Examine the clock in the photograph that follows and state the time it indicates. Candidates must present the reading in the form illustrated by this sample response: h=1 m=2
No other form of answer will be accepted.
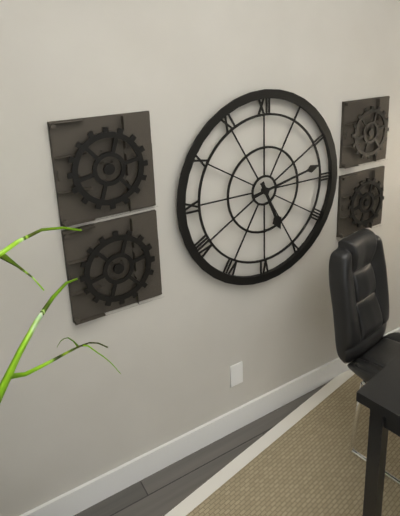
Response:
h=5 m=13
